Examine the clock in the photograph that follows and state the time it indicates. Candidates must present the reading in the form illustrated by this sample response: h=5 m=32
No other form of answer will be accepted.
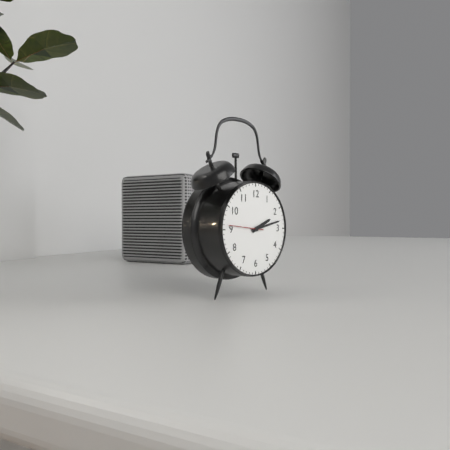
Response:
h=2 m=13
